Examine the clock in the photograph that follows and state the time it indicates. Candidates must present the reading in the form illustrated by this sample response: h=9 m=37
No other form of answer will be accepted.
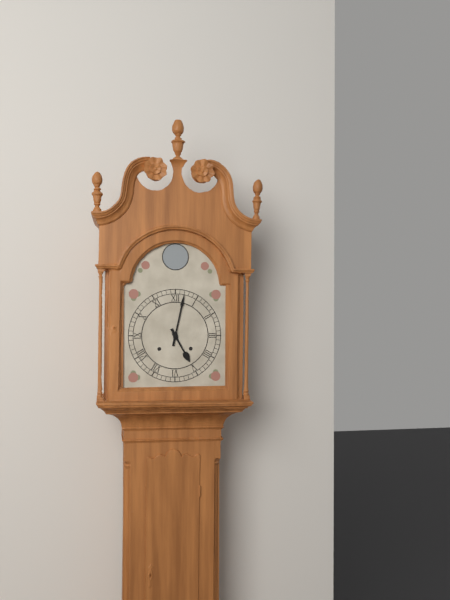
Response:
h=5 m=2
